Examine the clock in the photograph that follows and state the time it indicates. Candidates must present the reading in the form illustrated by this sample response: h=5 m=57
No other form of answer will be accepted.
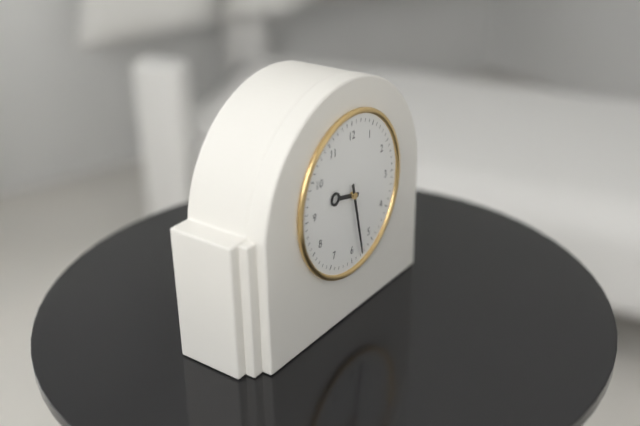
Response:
h=9 m=28
